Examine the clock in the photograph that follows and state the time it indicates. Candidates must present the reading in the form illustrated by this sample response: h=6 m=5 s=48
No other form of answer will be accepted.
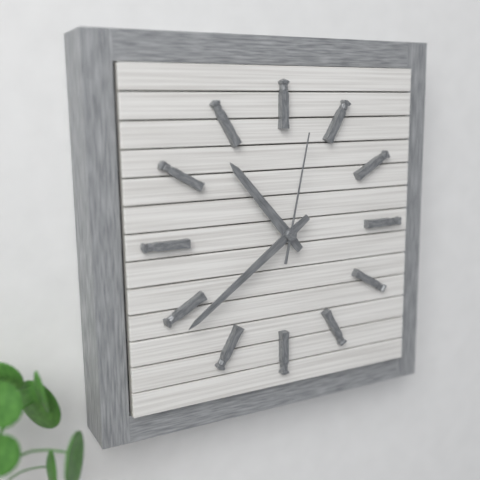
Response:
h=10 m=39 s=2
